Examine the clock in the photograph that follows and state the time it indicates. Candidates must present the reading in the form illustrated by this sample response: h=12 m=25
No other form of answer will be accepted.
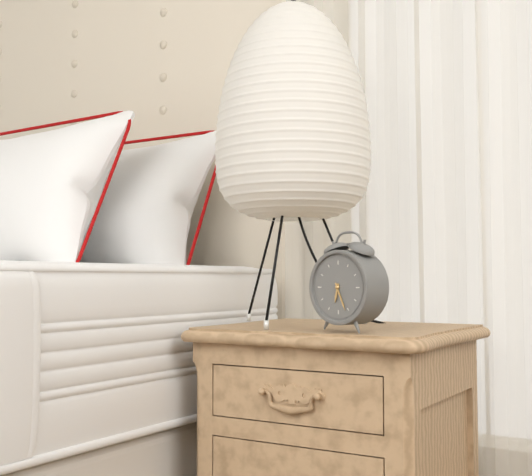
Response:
h=6 m=26
